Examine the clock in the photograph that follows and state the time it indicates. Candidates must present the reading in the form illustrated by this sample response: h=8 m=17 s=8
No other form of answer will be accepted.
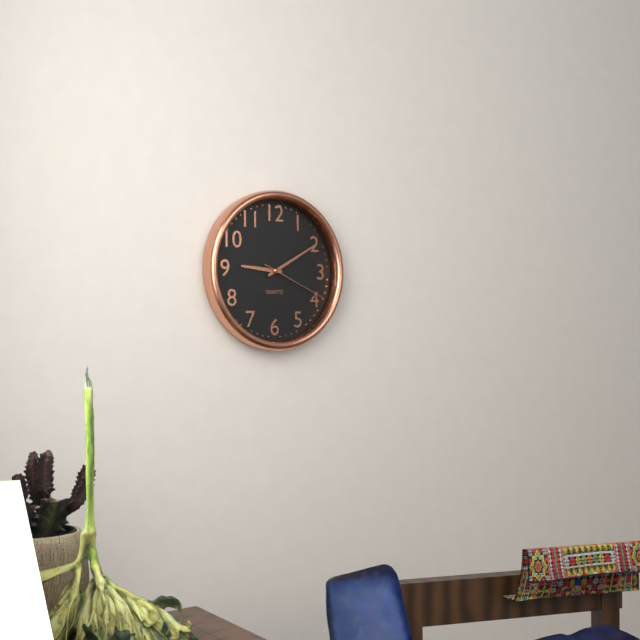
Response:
h=9 m=10 s=19
